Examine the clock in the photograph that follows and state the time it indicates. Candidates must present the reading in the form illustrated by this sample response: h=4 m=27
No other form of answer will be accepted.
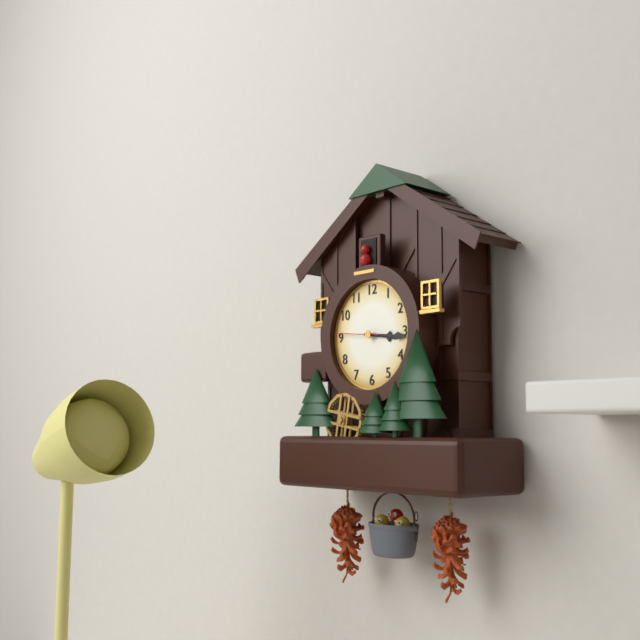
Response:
h=3 m=16
